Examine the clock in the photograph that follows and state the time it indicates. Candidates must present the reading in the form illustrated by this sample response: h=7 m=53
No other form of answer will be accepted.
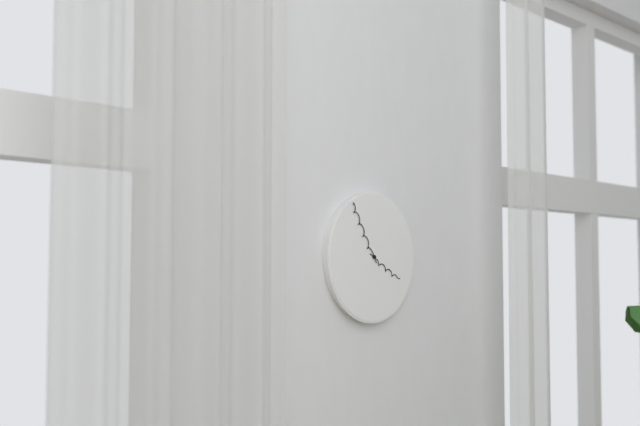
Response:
h=3 m=55
